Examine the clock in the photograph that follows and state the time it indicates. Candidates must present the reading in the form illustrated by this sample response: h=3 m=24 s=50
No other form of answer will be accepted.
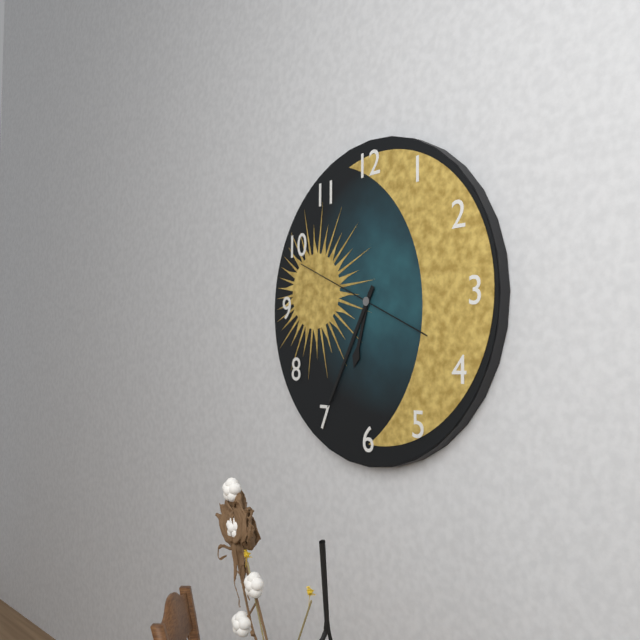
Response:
h=6 m=35 s=49
